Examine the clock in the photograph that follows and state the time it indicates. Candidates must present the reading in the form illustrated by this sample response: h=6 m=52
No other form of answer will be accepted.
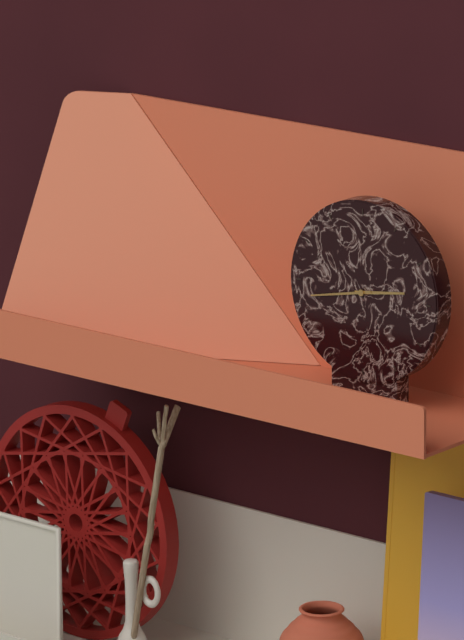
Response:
h=2 m=43
